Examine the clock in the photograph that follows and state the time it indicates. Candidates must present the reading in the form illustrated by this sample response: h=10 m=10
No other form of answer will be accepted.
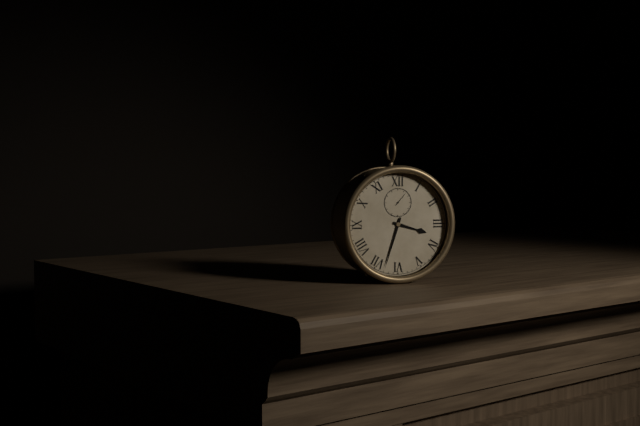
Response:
h=3 m=33
